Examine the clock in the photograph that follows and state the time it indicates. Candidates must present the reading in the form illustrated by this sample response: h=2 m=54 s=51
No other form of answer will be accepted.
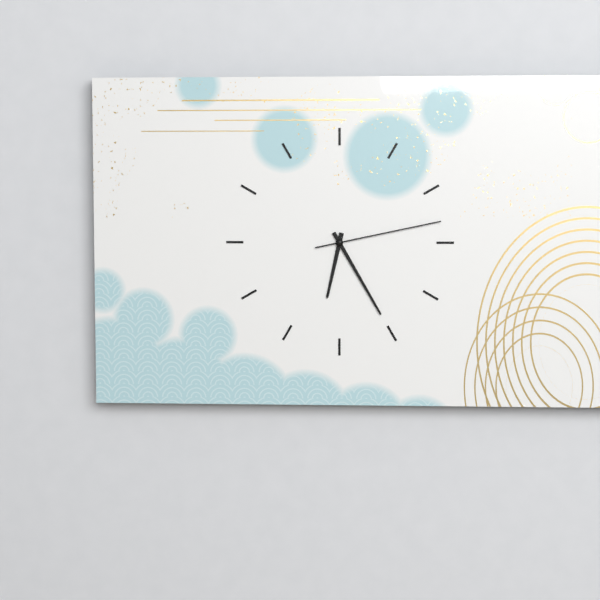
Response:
h=6 m=25 s=13
